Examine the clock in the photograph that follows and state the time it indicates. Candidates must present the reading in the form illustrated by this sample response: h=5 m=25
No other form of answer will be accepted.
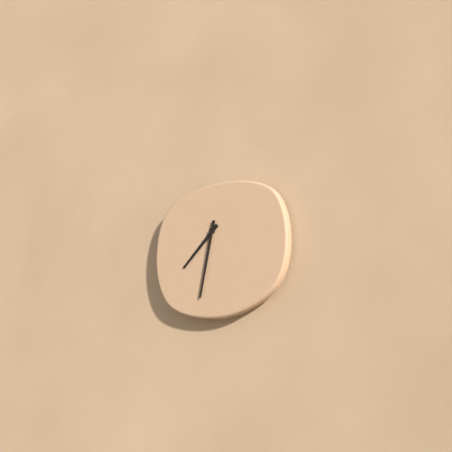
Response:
h=7 m=32
